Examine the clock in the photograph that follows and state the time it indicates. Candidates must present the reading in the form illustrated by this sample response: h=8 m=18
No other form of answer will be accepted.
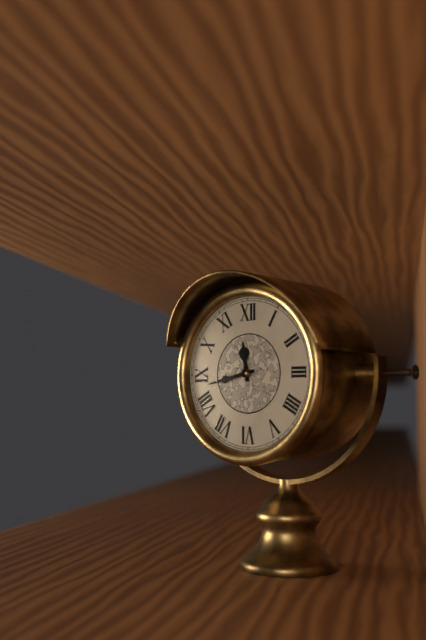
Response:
h=11 m=43
